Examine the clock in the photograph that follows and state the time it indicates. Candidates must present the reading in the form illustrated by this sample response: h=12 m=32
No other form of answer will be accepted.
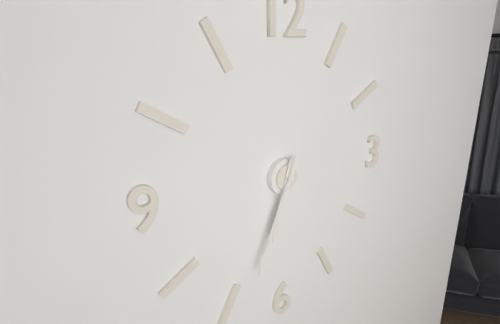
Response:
h=6 m=34
